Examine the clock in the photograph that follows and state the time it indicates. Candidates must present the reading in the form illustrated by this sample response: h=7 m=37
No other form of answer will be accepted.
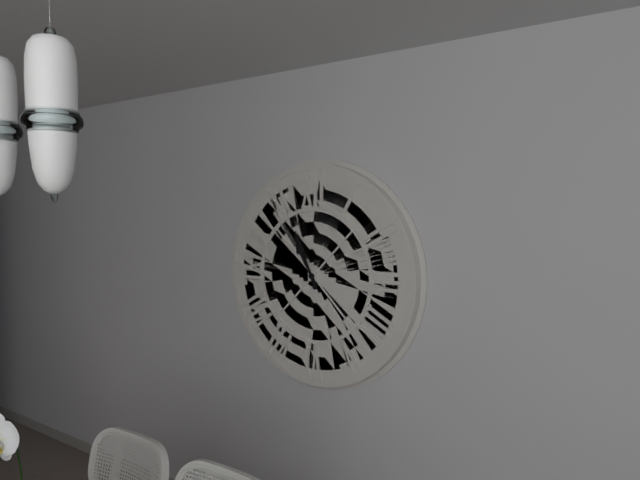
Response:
h=10 m=56
